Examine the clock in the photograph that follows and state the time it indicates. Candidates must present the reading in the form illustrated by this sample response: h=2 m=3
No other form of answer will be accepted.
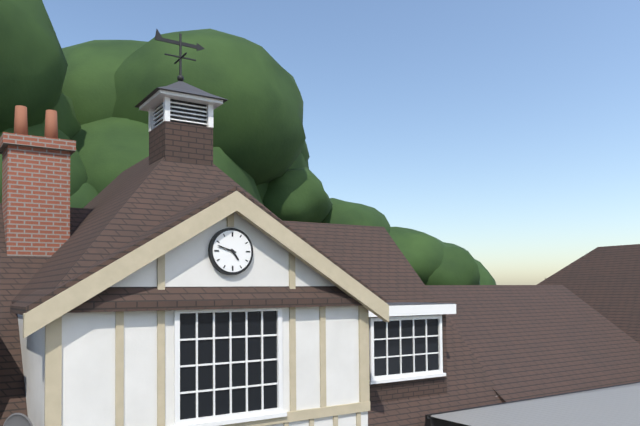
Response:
h=4 m=48
